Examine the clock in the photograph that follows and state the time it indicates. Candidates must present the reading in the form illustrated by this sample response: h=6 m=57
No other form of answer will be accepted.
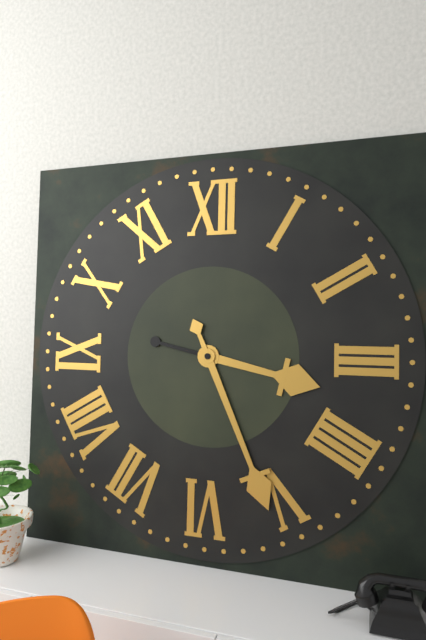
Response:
h=3 m=26
